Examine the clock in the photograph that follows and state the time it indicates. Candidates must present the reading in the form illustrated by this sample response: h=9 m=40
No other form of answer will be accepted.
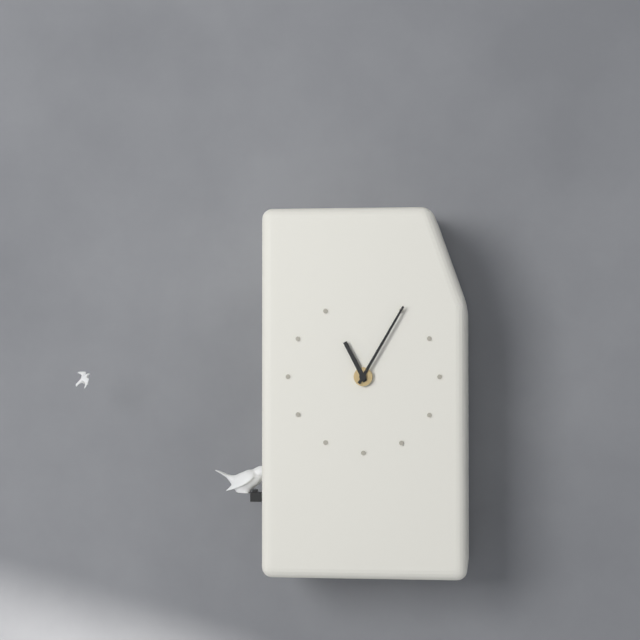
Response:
h=11 m=5
